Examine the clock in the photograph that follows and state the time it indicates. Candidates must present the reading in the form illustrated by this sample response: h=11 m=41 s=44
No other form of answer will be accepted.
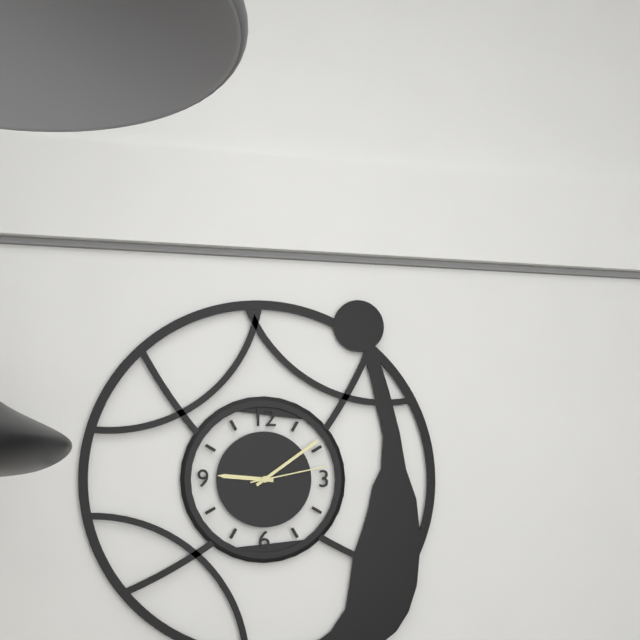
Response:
h=9 m=9 s=13
